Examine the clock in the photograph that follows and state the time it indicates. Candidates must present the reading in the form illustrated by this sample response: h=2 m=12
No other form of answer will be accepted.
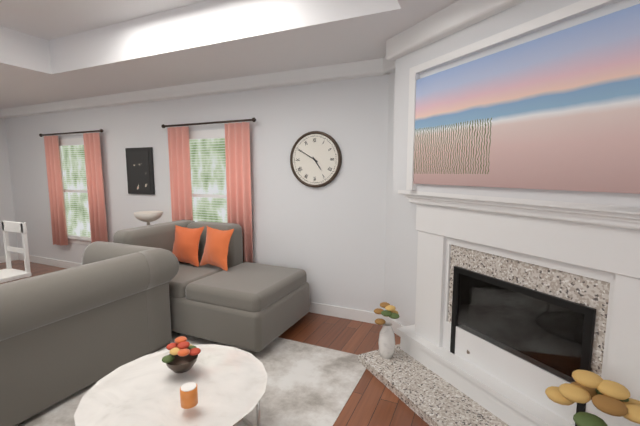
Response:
h=4 m=50
